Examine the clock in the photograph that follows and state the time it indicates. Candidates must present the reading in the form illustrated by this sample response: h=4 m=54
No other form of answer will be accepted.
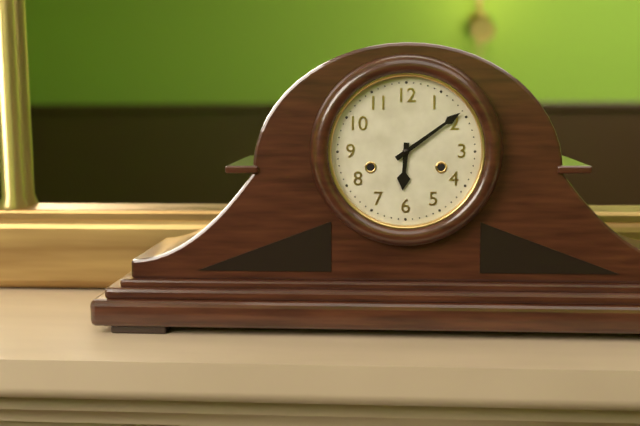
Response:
h=6 m=9
